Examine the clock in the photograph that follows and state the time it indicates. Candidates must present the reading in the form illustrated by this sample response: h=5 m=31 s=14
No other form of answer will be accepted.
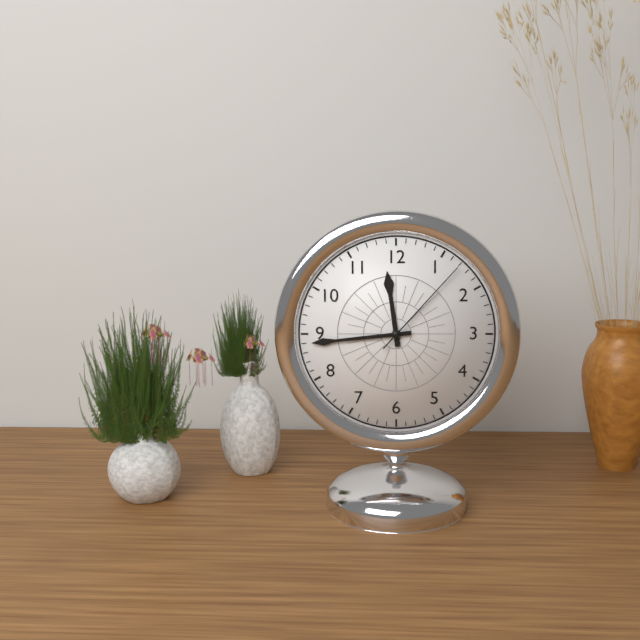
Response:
h=11 m=44 s=7
